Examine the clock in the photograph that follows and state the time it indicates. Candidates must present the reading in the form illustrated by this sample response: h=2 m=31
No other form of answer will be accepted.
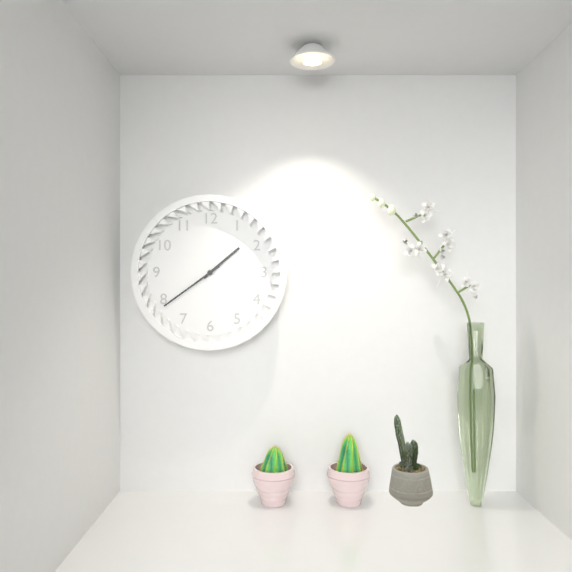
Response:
h=1 m=39
